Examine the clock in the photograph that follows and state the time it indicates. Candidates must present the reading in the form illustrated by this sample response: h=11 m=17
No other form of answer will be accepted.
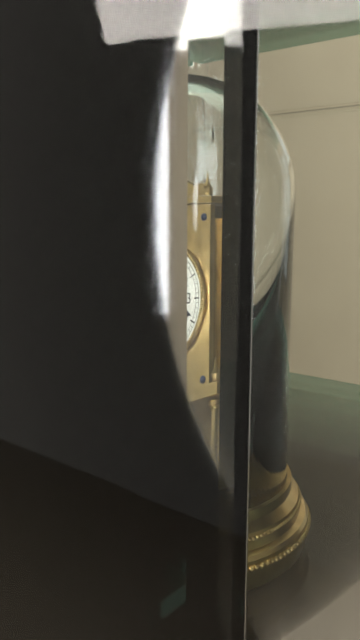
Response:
h=4 m=19
